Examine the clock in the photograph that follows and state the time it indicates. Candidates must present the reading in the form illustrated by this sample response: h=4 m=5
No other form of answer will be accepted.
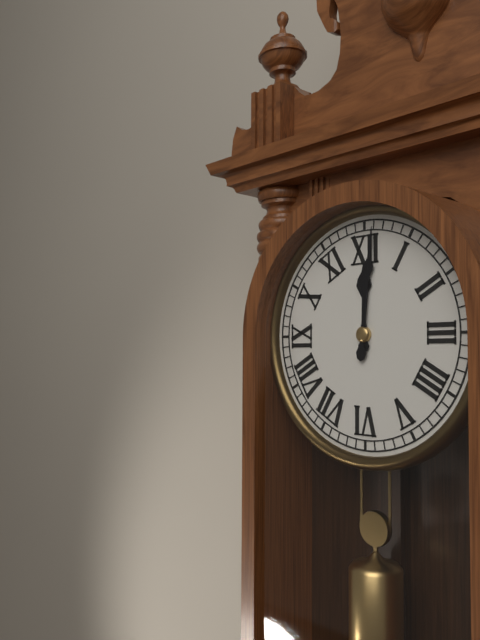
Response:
h=12 m=1
